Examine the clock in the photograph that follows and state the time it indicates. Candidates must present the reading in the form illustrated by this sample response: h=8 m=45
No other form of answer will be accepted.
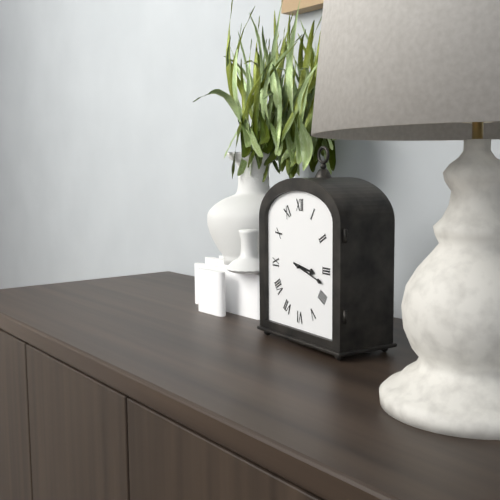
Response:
h=3 m=18
